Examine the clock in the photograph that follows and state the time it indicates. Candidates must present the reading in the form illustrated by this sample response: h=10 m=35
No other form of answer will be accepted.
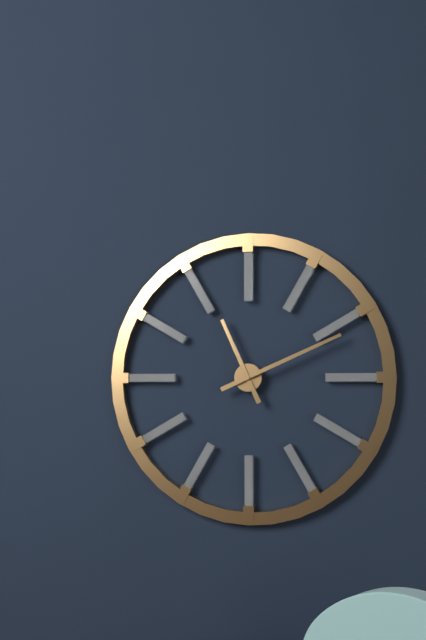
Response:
h=11 m=11
